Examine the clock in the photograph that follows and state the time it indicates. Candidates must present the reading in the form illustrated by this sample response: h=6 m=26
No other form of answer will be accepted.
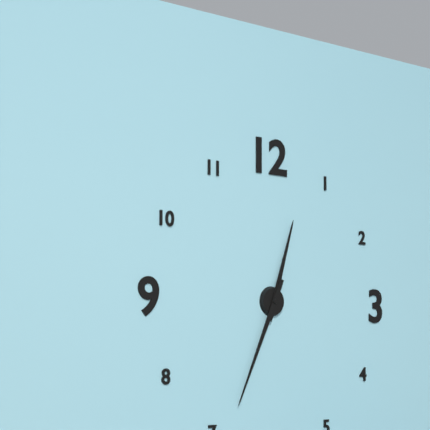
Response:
h=12 m=34
